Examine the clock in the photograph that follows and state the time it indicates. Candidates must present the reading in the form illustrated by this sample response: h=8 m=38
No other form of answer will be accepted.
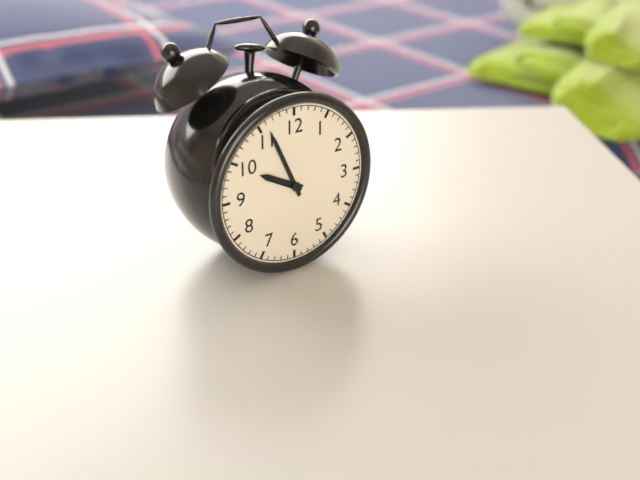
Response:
h=9 m=56
